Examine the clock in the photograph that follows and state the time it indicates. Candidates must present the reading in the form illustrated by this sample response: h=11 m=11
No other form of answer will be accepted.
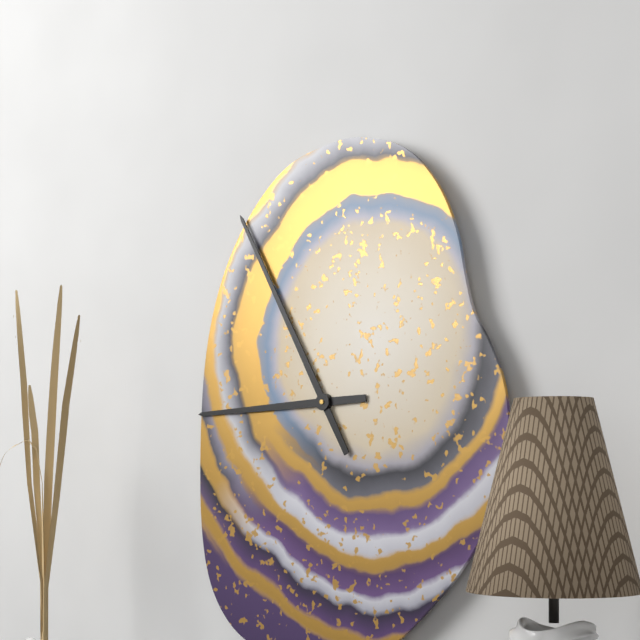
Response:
h=8 m=55
